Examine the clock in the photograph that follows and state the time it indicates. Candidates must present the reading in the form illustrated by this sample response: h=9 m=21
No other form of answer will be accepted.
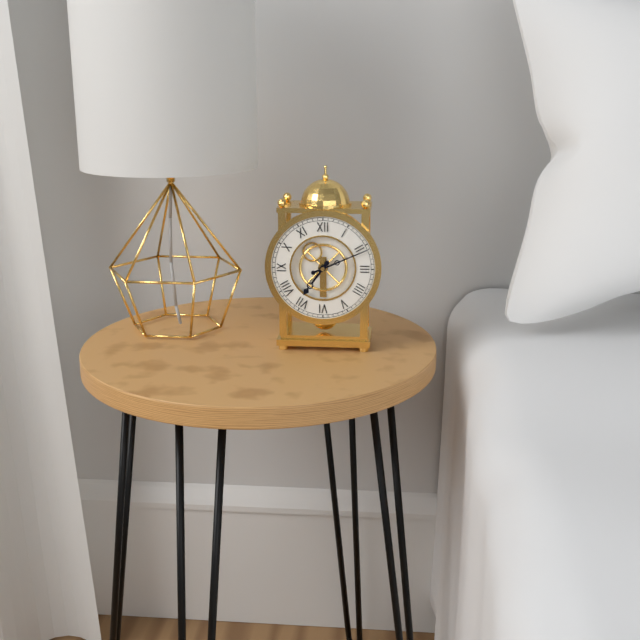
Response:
h=7 m=11
